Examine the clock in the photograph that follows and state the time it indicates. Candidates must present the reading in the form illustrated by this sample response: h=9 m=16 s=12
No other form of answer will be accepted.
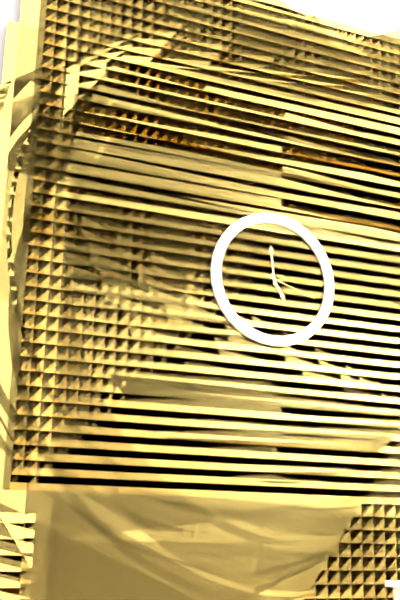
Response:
h=4 m=59 s=18
